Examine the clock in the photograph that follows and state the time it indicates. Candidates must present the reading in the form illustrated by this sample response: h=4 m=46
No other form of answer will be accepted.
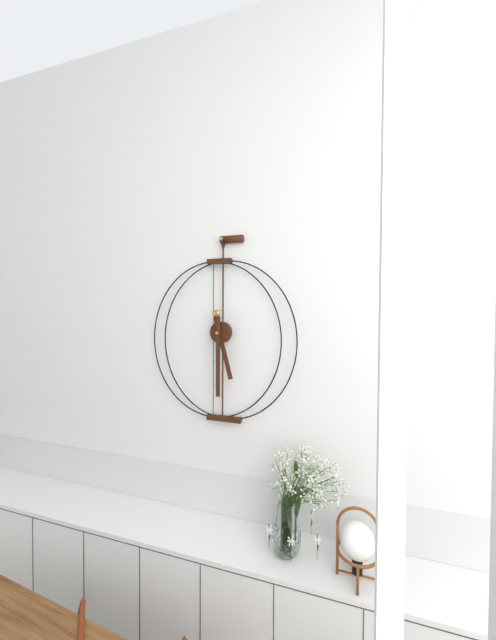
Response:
h=5 m=30
